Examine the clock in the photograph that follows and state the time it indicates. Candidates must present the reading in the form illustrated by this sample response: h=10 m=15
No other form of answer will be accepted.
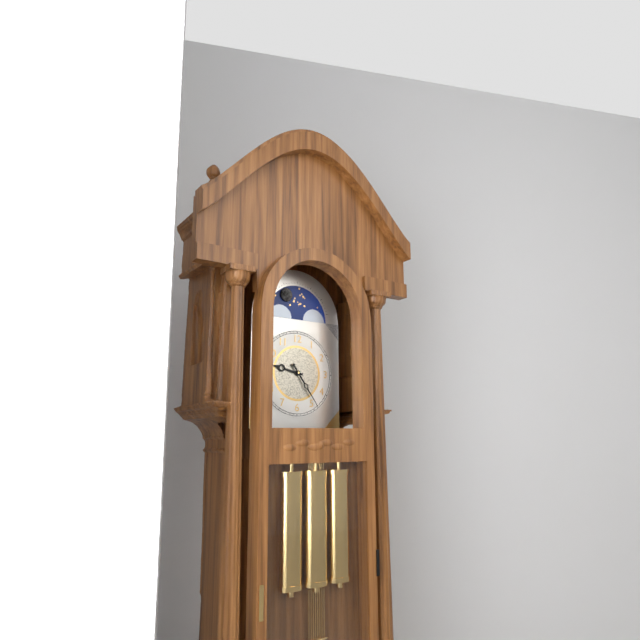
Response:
h=9 m=24
